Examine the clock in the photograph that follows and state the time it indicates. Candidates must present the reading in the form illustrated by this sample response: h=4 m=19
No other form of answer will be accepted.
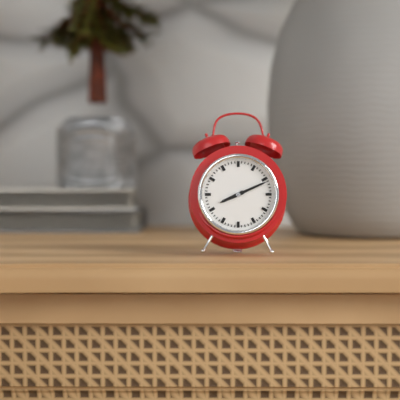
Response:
h=8 m=11
